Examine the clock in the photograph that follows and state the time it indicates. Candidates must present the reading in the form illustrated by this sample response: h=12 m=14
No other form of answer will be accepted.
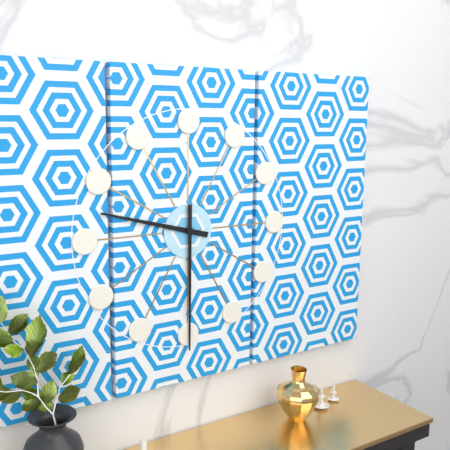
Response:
h=9 m=30
